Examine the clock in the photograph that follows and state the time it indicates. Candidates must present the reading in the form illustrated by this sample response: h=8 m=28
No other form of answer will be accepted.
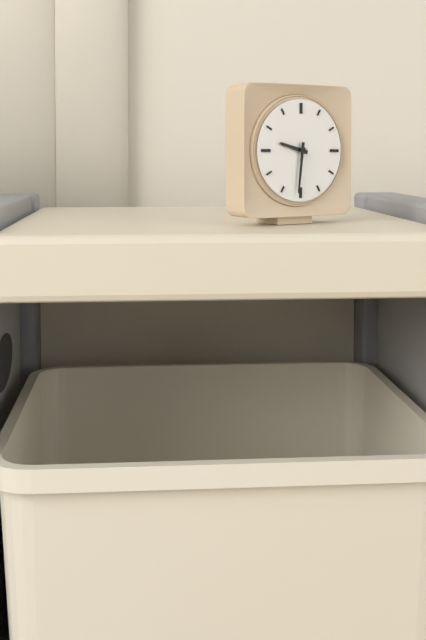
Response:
h=9 m=31
